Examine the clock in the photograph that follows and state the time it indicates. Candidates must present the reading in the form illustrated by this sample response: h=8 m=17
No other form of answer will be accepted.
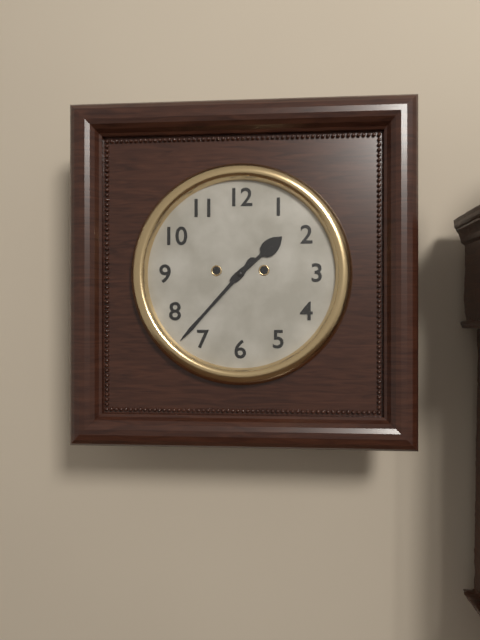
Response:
h=1 m=37
